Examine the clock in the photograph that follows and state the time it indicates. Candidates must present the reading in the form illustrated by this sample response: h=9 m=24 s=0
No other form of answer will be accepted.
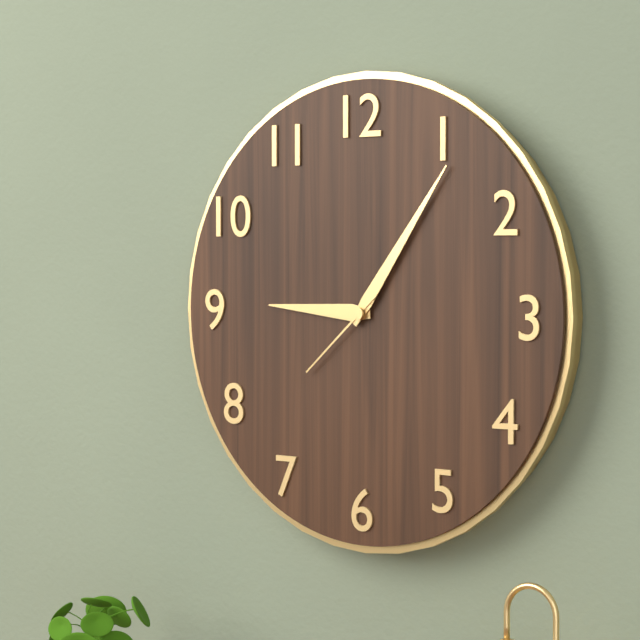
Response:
h=9 m=6 s=38
